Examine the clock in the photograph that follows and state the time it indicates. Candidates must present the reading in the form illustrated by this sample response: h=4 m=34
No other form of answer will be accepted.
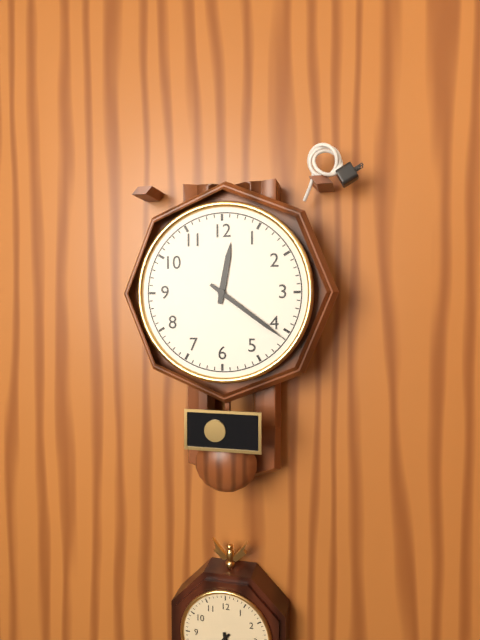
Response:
h=12 m=21
